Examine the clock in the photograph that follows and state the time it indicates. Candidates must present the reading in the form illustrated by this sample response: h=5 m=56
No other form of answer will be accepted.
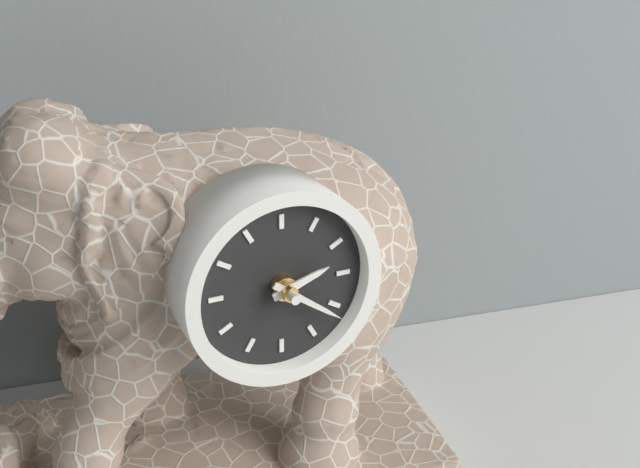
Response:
h=2 m=21
